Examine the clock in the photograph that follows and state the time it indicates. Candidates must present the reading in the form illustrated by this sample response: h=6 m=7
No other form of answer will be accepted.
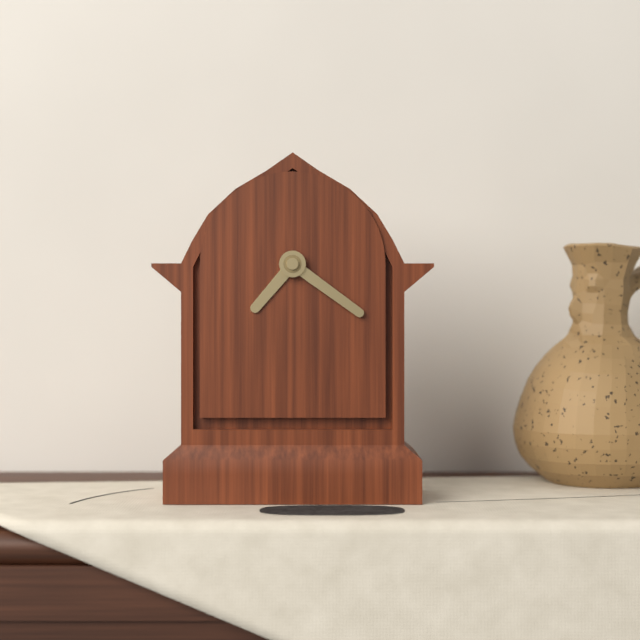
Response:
h=7 m=21
